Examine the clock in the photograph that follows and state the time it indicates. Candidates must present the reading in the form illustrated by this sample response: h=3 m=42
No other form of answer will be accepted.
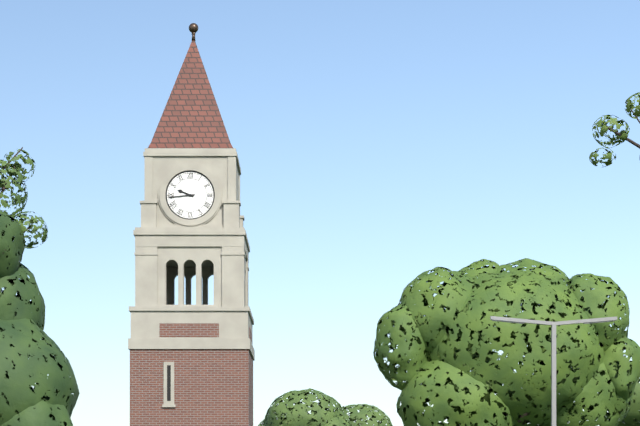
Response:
h=9 m=44
